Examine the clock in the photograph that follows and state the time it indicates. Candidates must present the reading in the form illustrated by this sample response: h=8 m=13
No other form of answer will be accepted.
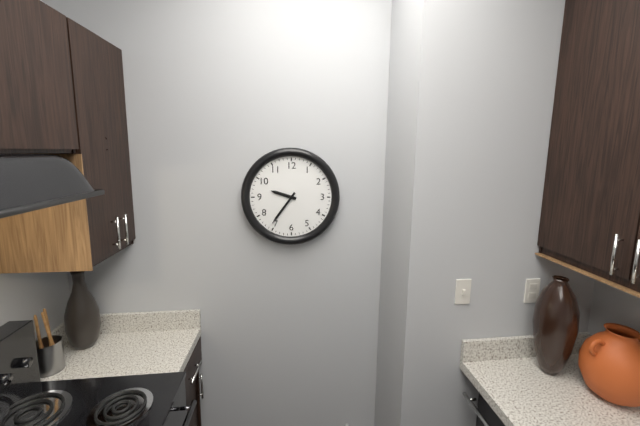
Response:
h=9 m=36
